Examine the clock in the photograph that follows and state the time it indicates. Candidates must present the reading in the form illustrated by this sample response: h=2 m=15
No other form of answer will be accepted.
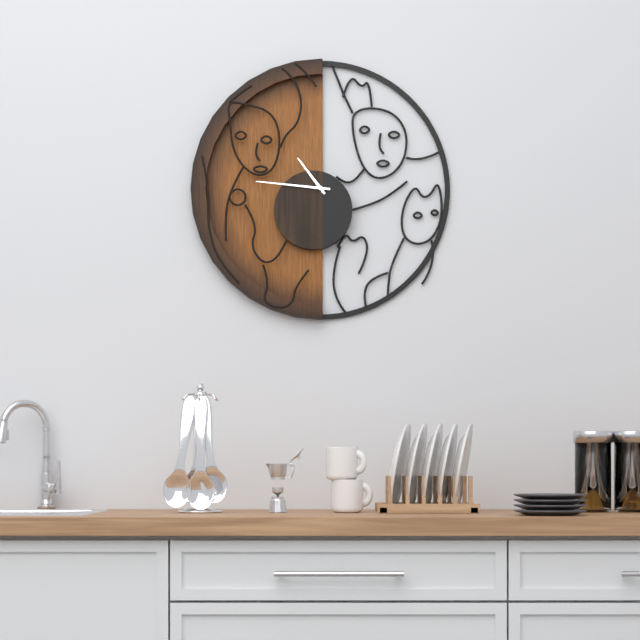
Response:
h=10 m=46
